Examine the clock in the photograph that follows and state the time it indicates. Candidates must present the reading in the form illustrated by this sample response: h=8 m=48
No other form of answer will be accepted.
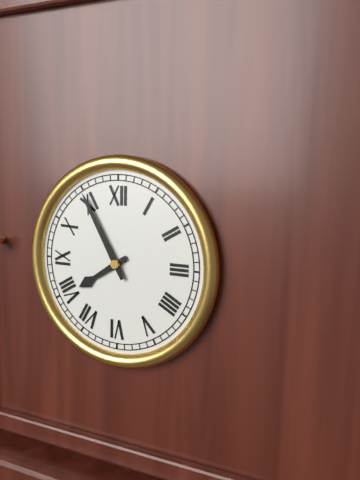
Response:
h=7 m=55
